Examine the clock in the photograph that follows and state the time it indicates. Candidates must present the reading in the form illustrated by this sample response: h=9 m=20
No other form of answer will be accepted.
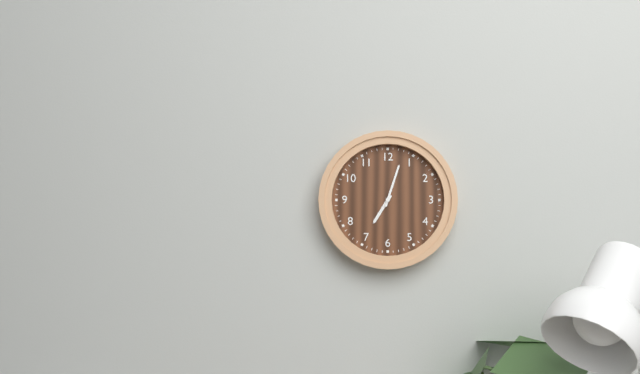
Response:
h=7 m=3
